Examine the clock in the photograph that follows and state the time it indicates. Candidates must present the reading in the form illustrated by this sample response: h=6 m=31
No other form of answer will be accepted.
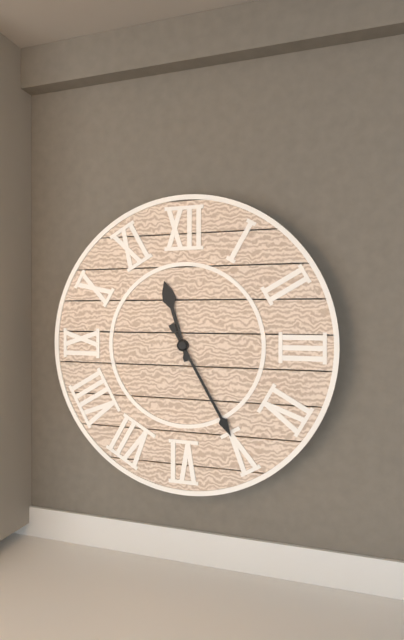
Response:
h=11 m=25
